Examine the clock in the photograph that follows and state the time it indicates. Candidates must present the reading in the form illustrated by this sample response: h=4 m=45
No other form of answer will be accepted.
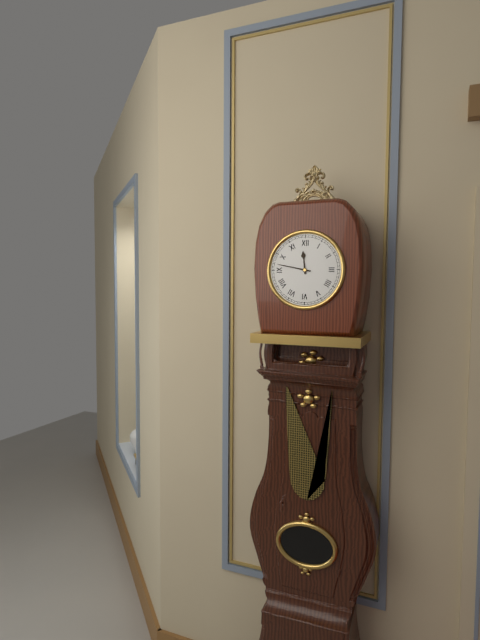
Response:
h=11 m=47
